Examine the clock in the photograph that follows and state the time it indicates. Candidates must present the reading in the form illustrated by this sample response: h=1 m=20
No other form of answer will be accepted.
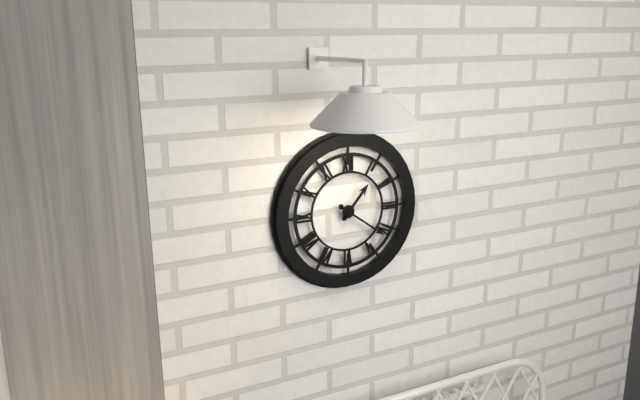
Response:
h=1 m=21
